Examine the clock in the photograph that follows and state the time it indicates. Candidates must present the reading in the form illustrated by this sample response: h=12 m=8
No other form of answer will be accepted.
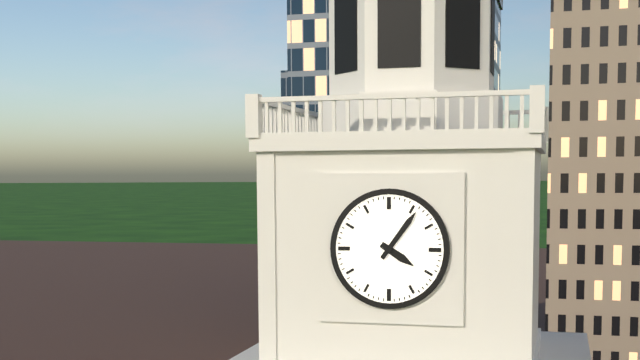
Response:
h=4 m=6
